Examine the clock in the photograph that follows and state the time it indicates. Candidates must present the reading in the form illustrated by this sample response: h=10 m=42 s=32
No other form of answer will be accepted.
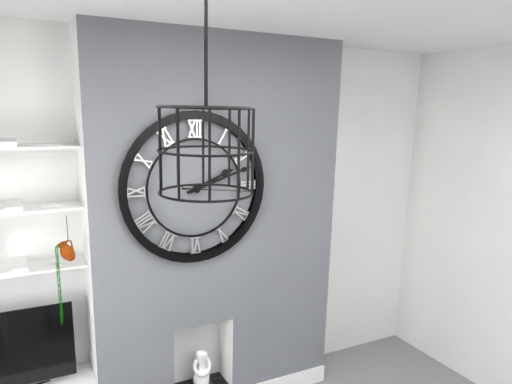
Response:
h=2 m=12 s=16
